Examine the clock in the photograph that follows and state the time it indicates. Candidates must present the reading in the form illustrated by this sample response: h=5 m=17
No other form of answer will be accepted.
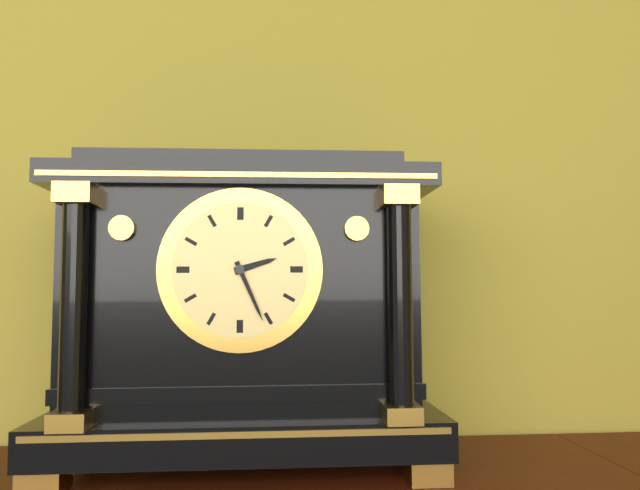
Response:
h=2 m=26
